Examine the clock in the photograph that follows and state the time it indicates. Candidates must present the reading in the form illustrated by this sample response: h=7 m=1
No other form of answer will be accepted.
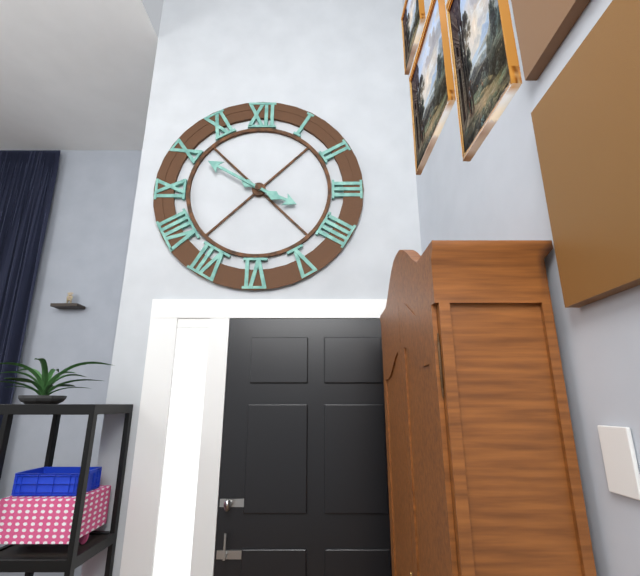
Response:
h=3 m=50
